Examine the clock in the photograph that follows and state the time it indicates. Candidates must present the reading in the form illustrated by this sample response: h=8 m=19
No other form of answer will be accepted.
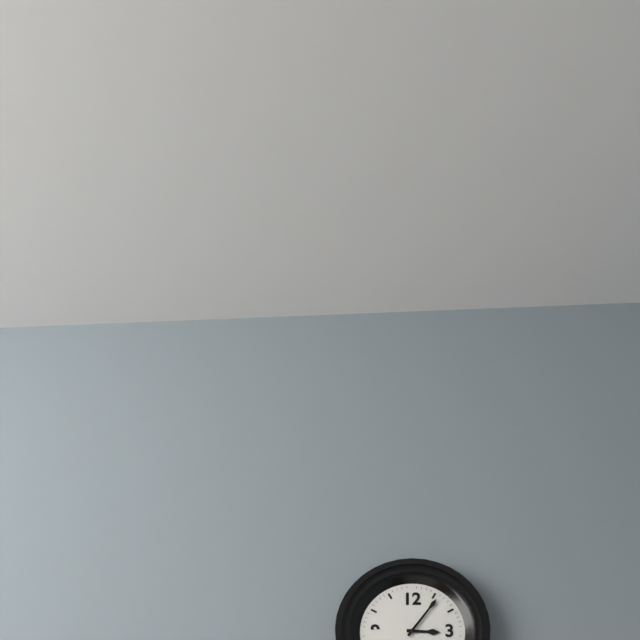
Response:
h=3 m=6
